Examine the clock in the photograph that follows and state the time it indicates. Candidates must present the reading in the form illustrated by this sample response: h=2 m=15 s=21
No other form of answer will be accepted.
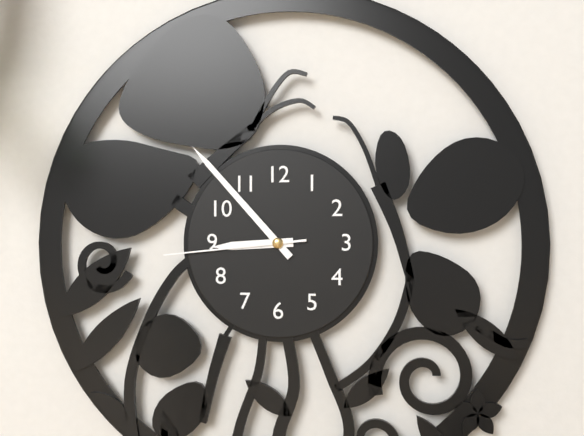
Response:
h=8 m=53 s=44
